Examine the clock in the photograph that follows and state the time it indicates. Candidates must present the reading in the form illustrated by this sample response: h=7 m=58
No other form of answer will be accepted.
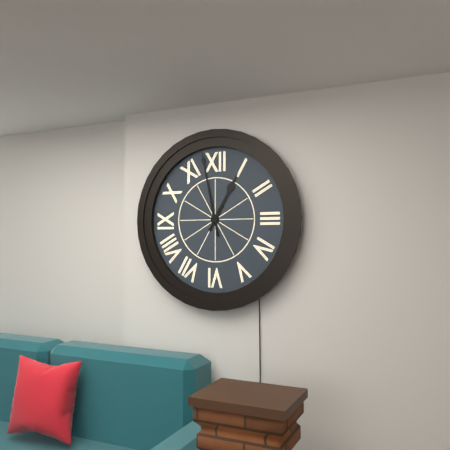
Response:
h=12 m=58
